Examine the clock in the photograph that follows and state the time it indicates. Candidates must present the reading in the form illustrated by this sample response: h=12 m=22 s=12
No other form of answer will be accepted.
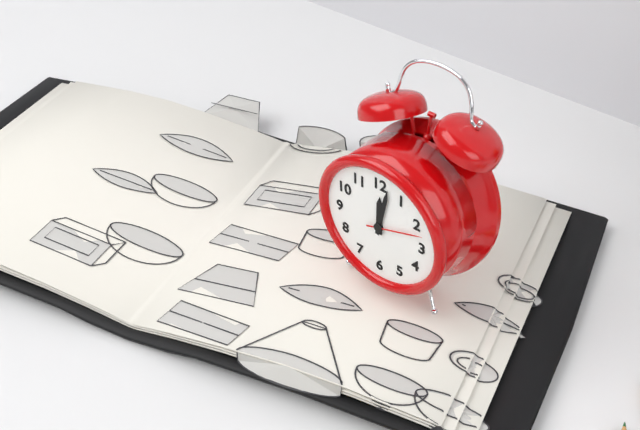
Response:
h=12 m=2 s=12
